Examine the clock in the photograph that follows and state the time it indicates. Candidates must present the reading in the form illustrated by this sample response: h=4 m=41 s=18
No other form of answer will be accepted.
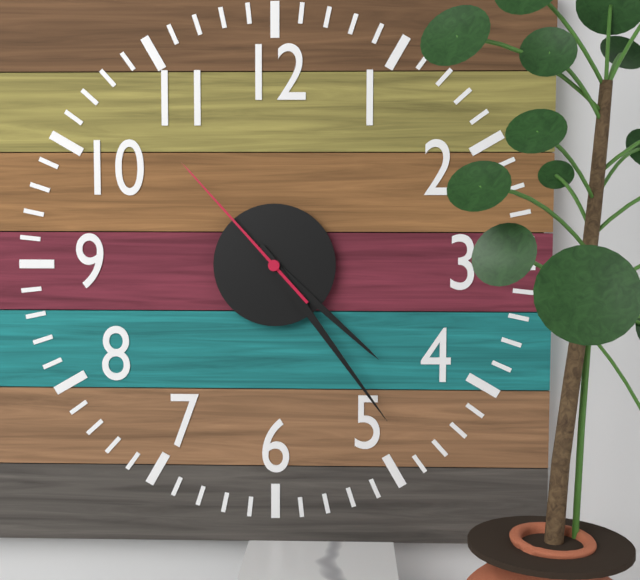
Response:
h=4 m=24 s=53
